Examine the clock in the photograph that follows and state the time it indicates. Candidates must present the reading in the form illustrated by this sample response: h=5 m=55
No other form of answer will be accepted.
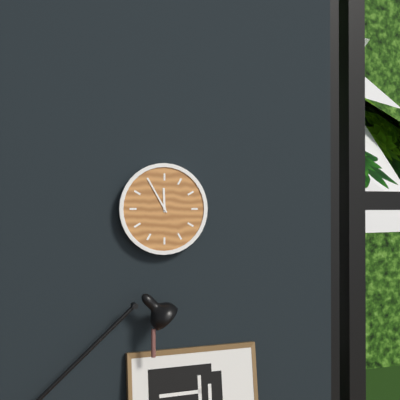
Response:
h=11 m=55
